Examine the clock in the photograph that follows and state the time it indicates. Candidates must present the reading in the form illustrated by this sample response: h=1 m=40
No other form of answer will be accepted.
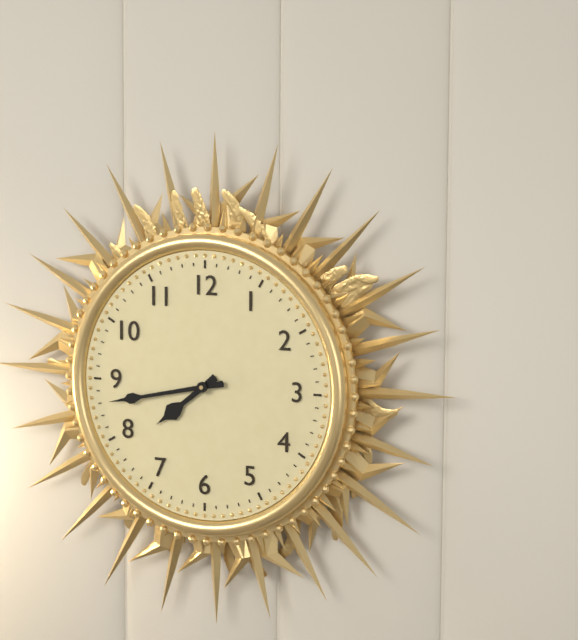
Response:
h=7 m=43
